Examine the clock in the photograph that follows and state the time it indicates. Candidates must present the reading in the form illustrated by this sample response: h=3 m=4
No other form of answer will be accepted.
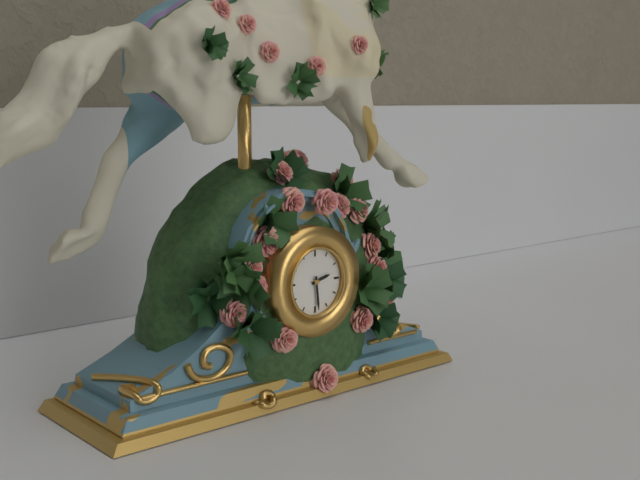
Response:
h=2 m=29
